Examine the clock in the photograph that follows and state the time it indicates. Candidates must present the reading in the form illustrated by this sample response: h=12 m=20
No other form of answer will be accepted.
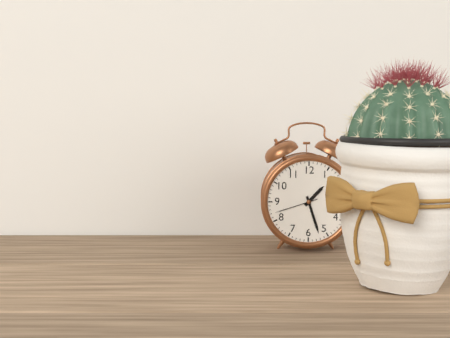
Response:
h=1 m=27
